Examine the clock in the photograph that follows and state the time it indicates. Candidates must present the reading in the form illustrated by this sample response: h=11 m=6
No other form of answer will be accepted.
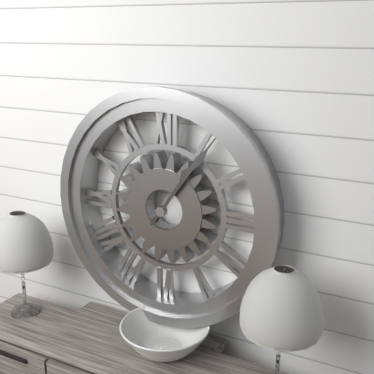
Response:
h=1 m=6
